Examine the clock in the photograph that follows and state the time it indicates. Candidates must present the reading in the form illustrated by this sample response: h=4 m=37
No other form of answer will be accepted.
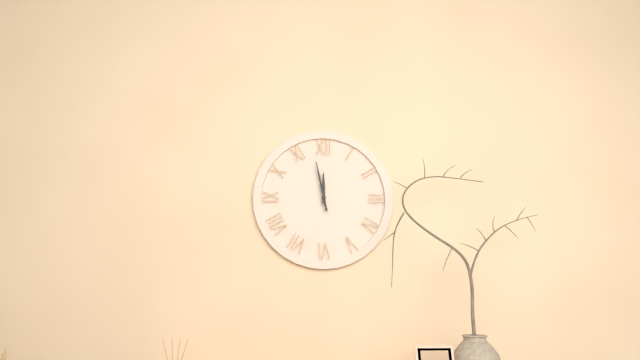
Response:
h=11 m=58
